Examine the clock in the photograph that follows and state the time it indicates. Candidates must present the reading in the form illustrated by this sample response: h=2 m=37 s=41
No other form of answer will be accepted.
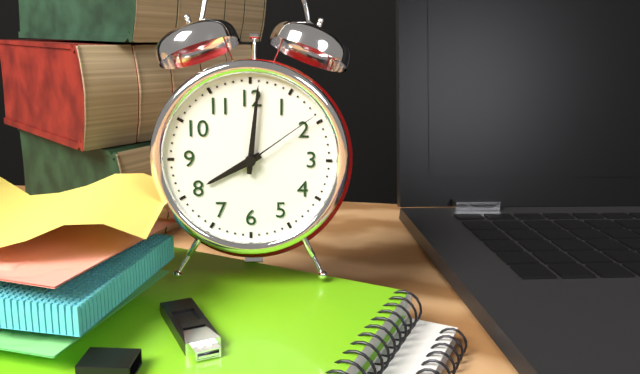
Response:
h=8 m=1 s=9
